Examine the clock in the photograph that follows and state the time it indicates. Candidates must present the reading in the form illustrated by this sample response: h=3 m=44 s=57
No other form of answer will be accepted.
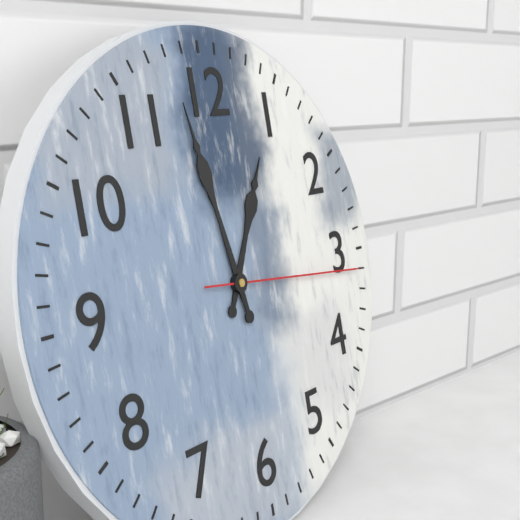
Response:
h=12 m=58 s=16
